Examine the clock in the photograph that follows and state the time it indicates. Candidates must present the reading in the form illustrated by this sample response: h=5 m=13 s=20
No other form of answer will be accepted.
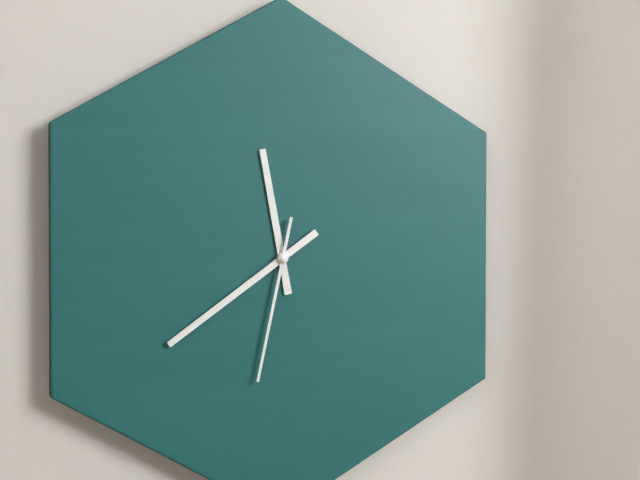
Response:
h=11 m=39 s=32
